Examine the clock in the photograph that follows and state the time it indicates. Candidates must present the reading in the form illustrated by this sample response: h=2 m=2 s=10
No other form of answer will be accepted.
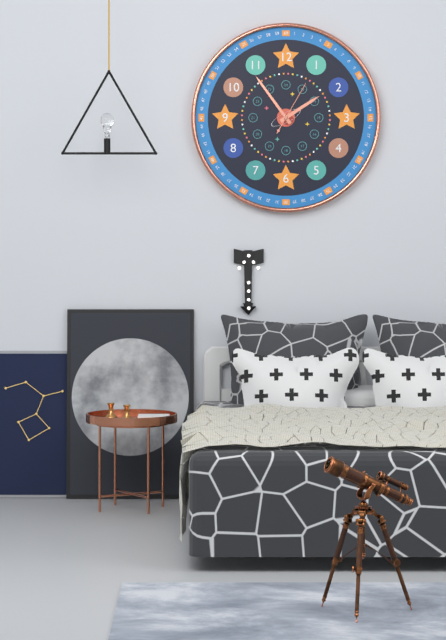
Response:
h=1 m=54 s=5
